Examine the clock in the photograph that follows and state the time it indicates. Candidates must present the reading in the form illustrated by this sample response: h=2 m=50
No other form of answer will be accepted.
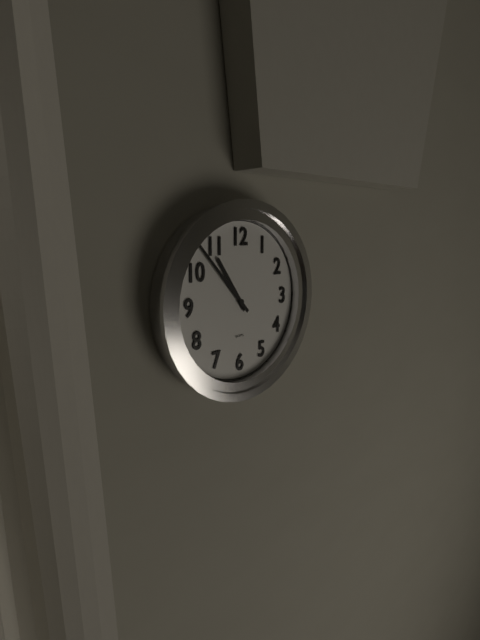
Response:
h=10 m=53
